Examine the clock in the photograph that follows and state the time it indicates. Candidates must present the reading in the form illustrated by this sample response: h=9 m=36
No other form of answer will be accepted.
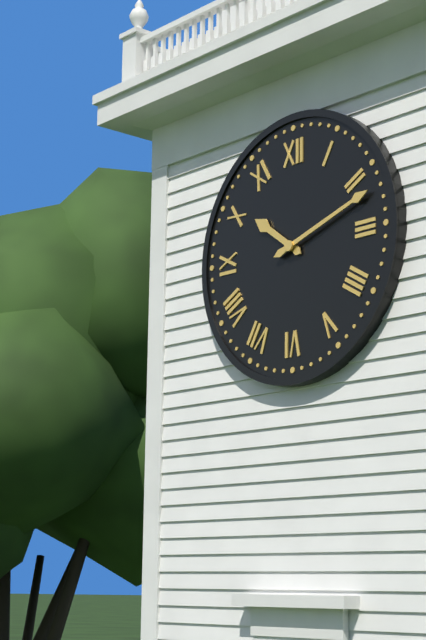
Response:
h=10 m=12
